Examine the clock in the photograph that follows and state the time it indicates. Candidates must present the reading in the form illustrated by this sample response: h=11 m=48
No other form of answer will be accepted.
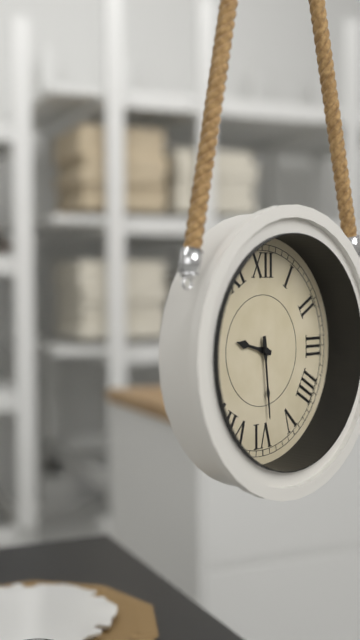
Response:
h=9 m=29
